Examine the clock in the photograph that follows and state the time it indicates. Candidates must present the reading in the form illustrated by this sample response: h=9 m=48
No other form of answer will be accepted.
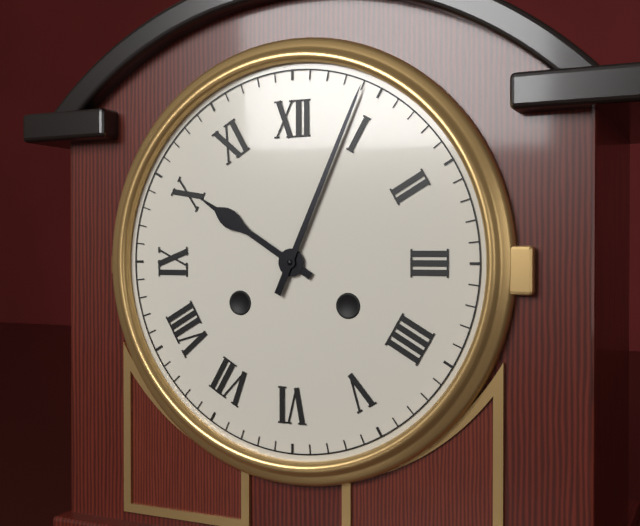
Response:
h=10 m=4
